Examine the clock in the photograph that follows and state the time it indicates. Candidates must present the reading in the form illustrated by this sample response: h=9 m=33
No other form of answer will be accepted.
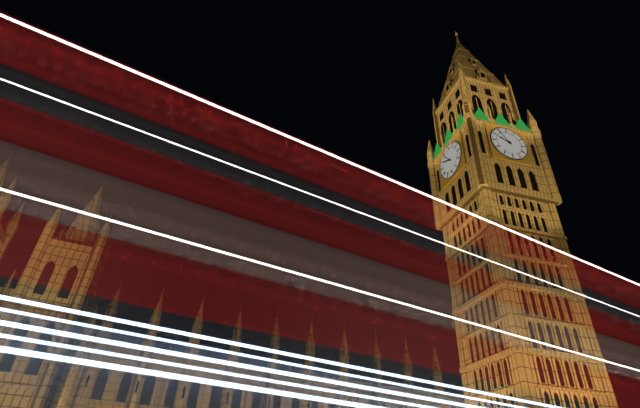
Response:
h=9 m=54
